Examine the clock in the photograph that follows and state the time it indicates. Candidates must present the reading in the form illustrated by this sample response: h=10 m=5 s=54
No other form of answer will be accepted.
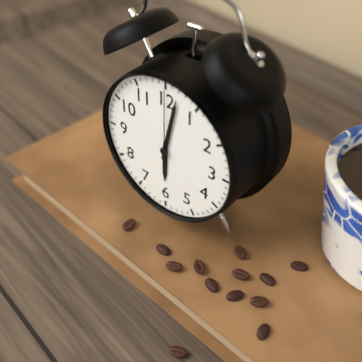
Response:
h=6 m=2 s=0
